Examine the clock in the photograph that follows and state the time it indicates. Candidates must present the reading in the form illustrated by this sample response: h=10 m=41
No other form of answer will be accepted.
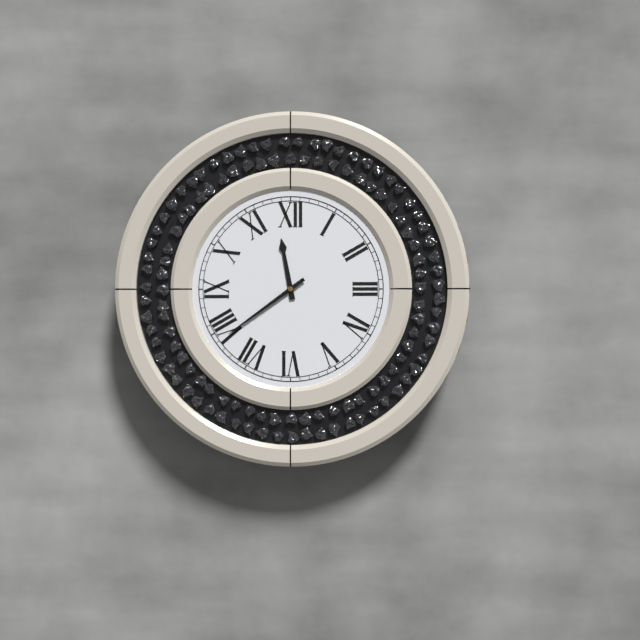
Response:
h=11 m=39
